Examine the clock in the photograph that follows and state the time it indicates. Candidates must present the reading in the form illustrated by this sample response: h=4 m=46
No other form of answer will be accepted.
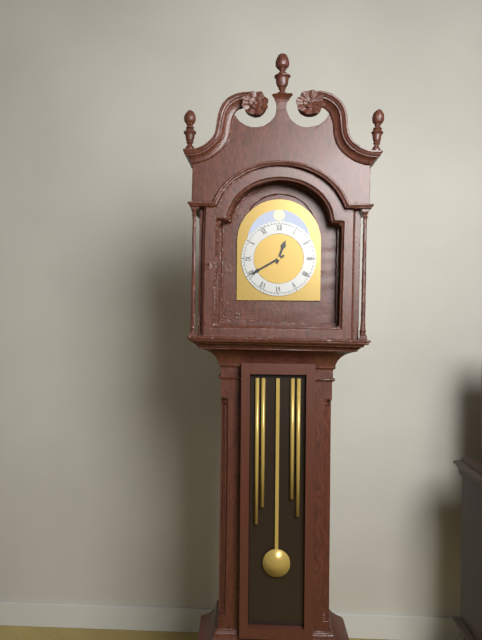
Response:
h=12 m=40
